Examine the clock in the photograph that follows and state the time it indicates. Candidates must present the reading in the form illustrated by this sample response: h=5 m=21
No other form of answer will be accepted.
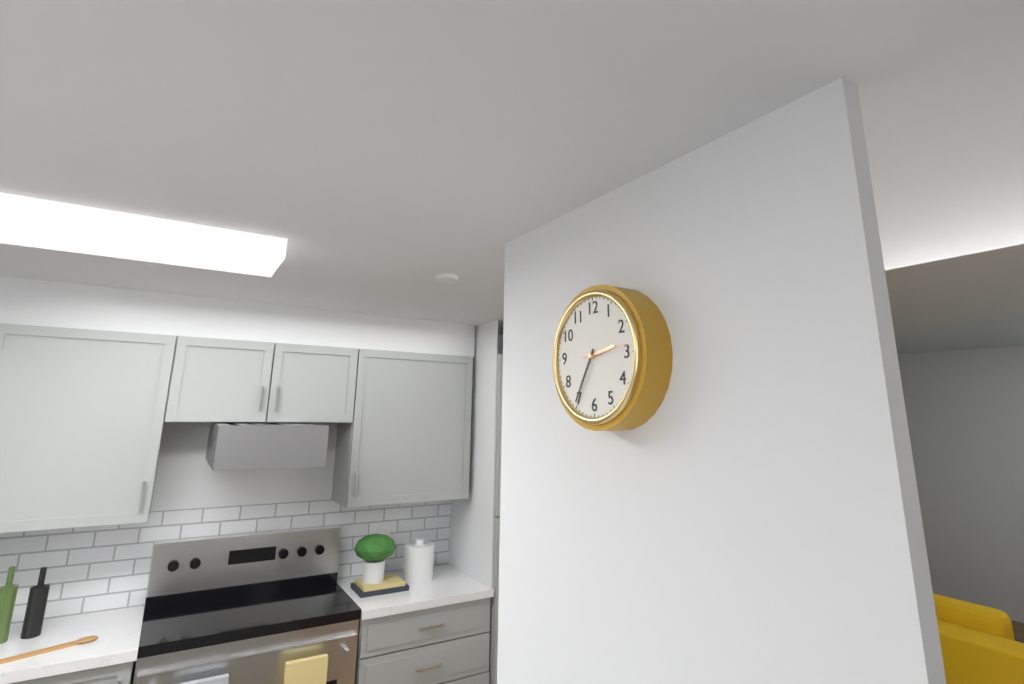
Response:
h=2 m=35
